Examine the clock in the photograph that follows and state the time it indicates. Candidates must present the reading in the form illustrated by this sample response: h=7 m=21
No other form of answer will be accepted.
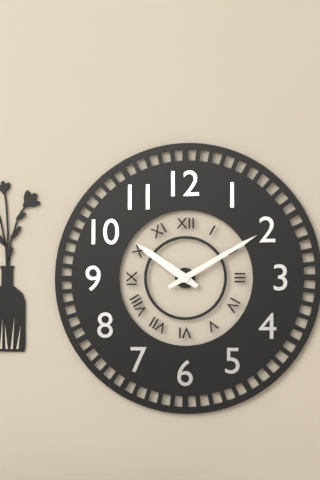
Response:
h=10 m=10
